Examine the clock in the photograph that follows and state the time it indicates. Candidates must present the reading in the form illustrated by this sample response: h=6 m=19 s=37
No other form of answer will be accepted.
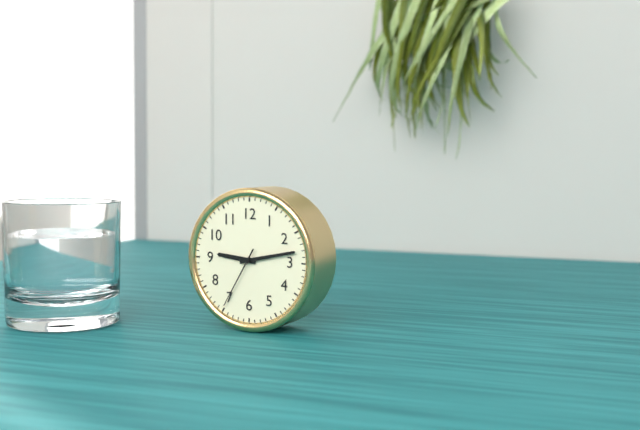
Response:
h=9 m=13 s=35
